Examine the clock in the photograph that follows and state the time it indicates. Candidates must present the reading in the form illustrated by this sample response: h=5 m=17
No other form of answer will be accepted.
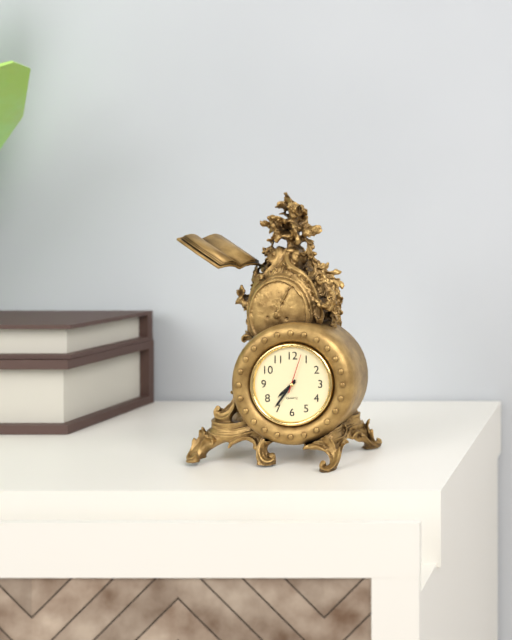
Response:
h=7 m=36
